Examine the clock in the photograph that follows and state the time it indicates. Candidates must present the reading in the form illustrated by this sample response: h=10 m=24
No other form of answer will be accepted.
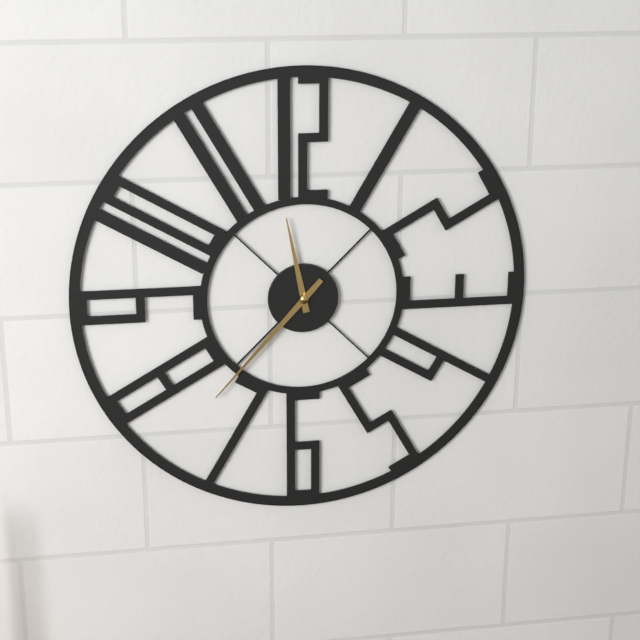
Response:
h=11 m=37
